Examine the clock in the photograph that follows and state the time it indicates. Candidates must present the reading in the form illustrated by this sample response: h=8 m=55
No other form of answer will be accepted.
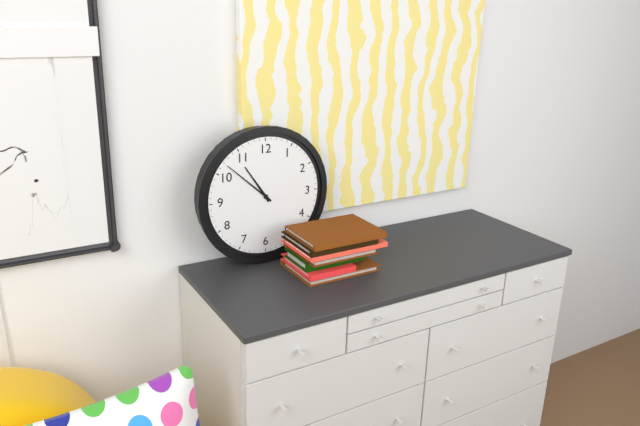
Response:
h=10 m=52
